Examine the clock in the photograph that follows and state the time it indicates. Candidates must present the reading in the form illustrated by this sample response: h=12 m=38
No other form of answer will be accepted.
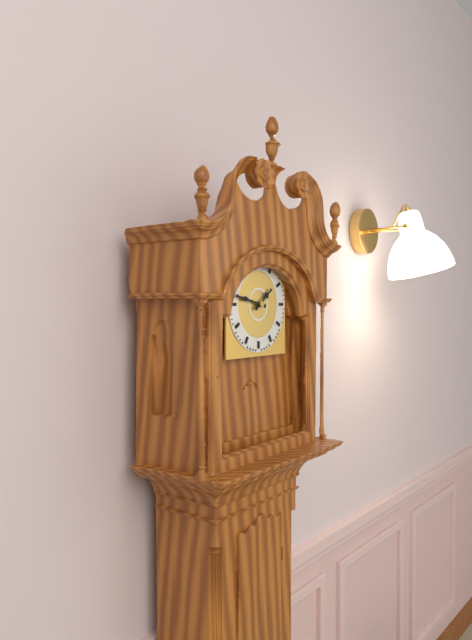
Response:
h=1 m=47
